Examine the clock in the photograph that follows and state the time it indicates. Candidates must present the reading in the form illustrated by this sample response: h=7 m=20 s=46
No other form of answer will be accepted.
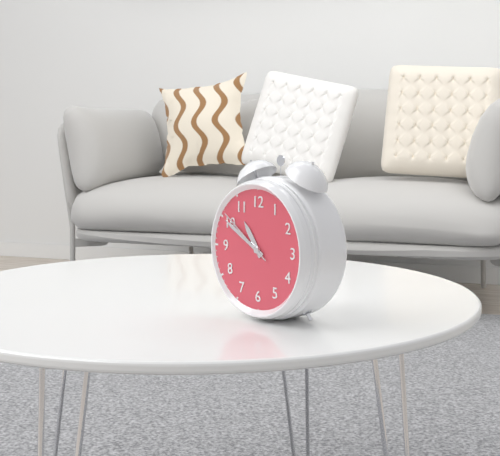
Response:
h=10 m=50 s=51
